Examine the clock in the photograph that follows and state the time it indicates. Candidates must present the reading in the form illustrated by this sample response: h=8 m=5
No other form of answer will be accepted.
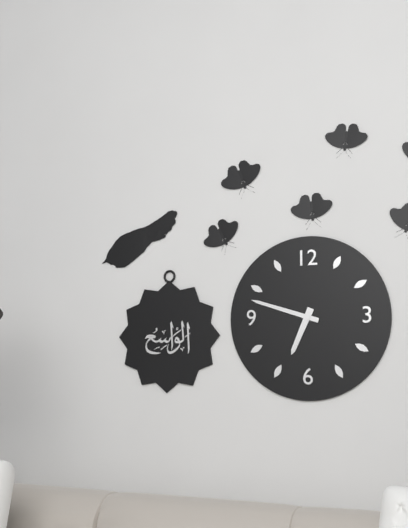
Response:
h=6 m=48
